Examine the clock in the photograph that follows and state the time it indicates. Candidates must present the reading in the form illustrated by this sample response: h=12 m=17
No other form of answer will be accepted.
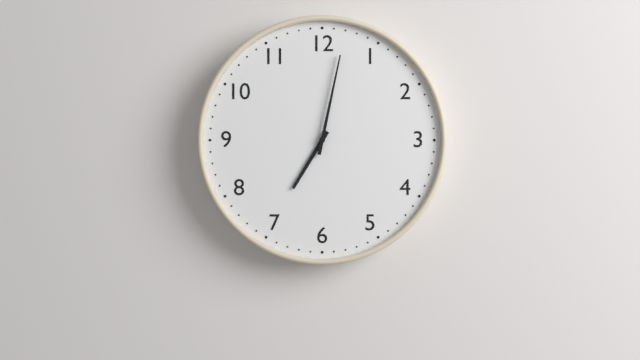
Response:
h=7 m=2
